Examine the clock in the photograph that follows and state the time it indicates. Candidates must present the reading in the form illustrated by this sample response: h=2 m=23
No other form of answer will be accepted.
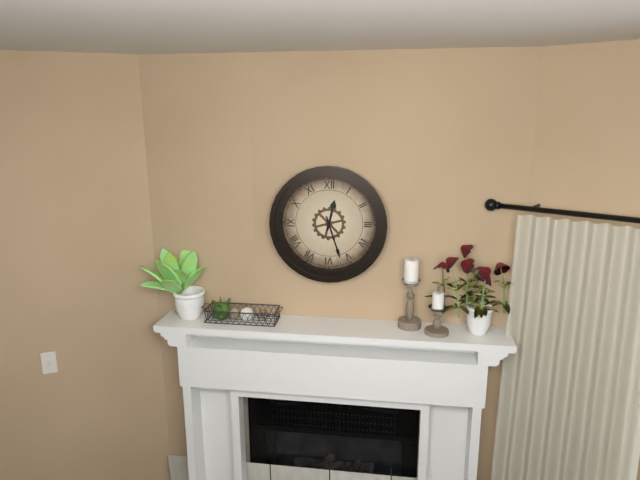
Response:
h=12 m=27
